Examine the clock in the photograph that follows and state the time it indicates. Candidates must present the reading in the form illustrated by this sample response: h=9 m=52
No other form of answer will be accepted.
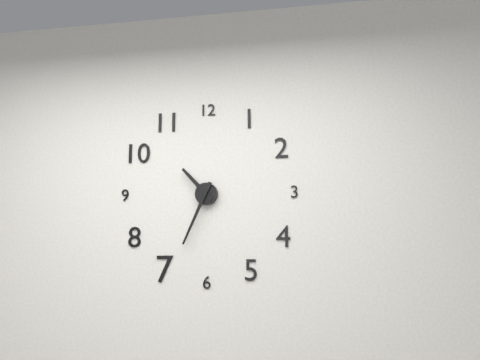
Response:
h=10 m=34
